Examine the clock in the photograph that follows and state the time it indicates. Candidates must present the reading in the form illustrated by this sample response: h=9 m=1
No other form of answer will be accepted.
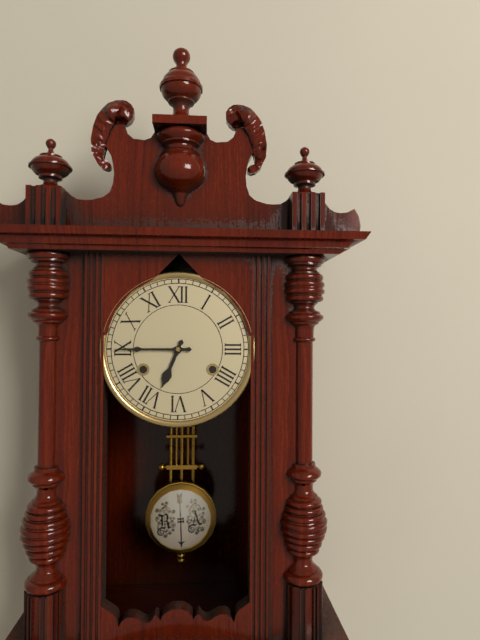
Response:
h=6 m=45
